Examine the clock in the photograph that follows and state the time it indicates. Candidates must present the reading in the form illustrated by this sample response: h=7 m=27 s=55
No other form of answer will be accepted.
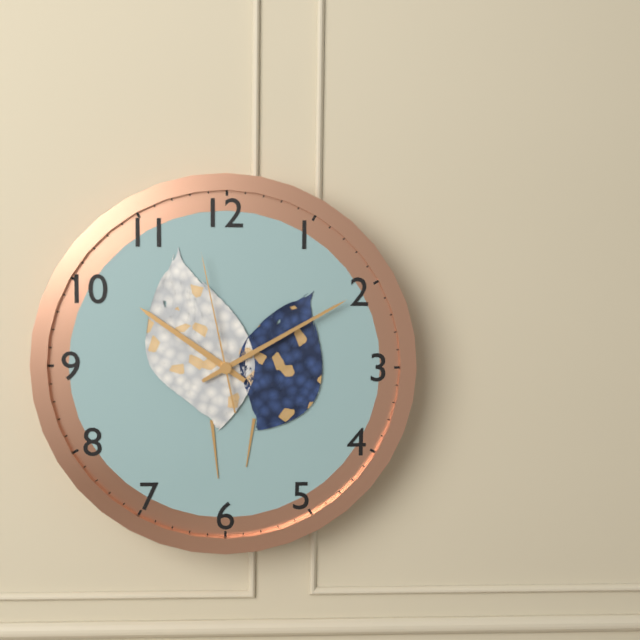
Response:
h=10 m=10 s=58
